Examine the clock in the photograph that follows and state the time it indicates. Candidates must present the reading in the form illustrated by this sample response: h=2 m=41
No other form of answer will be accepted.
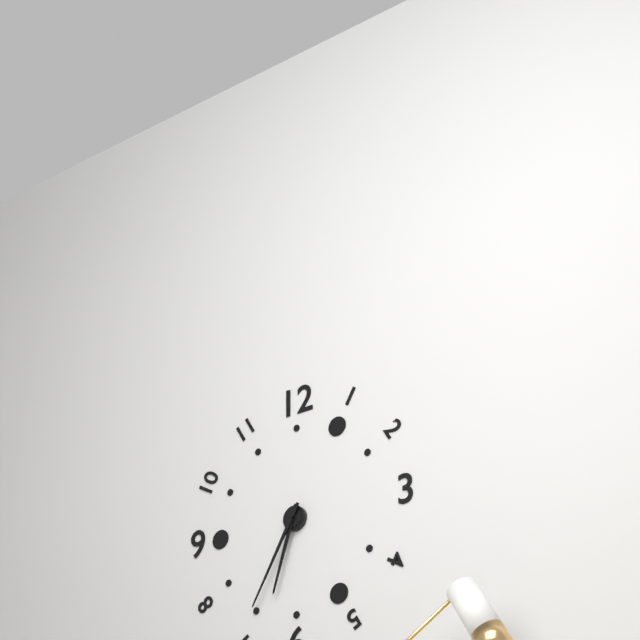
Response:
h=6 m=35
